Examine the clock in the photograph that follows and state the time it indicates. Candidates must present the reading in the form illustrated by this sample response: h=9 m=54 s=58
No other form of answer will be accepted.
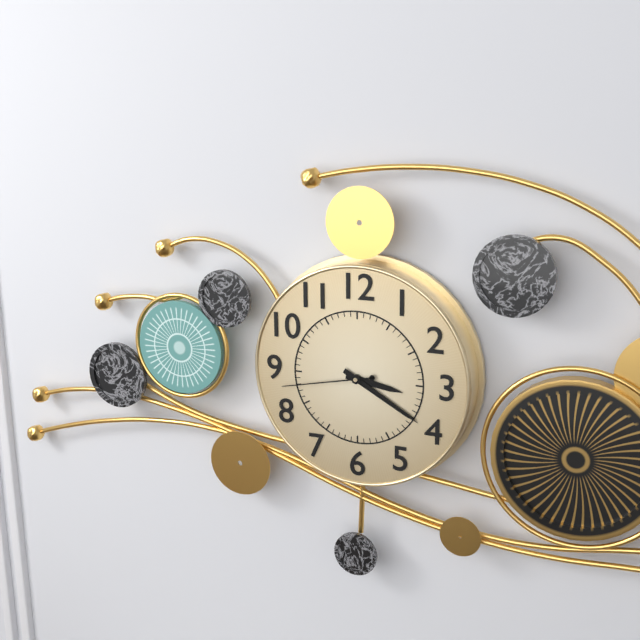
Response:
h=3 m=20 s=43
